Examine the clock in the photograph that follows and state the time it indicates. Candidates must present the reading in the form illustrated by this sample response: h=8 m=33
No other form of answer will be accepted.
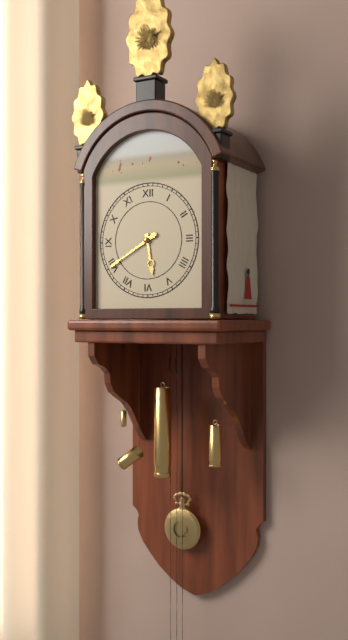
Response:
h=5 m=40
